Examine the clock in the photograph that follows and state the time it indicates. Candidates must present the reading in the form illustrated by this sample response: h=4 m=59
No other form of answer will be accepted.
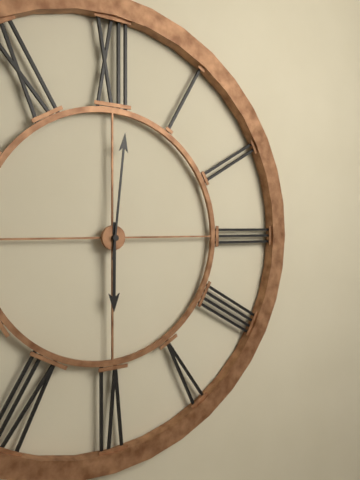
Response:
h=6 m=1
